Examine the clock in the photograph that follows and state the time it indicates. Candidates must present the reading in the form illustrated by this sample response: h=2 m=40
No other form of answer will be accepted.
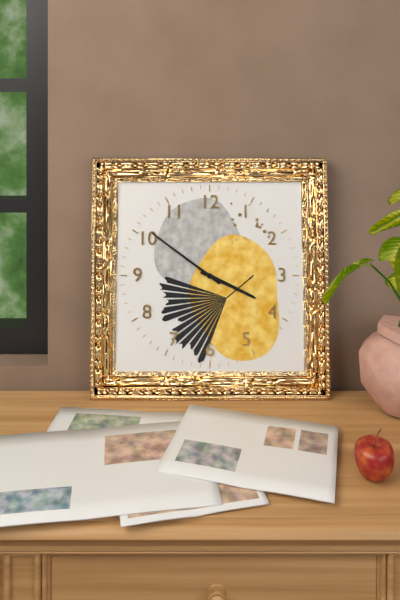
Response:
h=3 m=51
